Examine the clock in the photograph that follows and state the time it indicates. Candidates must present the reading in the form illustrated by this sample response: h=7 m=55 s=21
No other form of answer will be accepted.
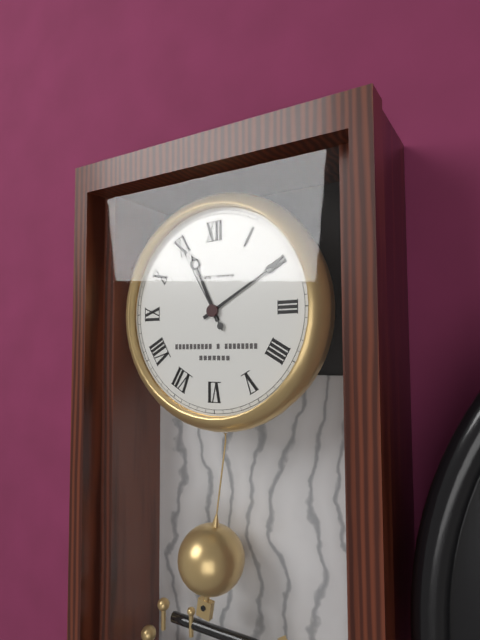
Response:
h=11 m=10 s=55
